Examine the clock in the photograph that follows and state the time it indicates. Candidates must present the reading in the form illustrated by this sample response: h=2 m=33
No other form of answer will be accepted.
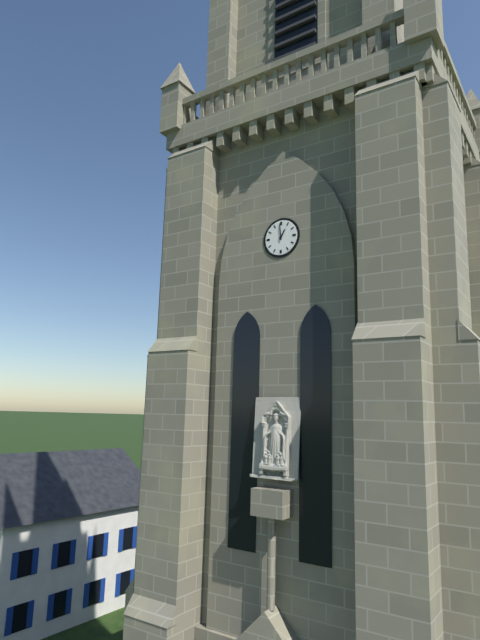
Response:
h=12 m=59
